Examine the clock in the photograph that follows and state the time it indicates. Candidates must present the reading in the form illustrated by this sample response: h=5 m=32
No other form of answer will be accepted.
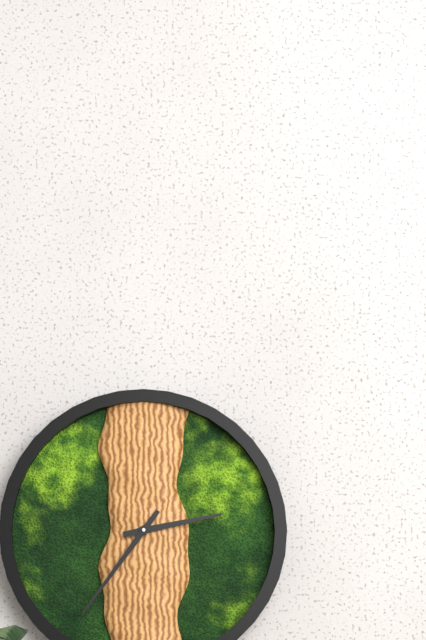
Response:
h=2 m=36
